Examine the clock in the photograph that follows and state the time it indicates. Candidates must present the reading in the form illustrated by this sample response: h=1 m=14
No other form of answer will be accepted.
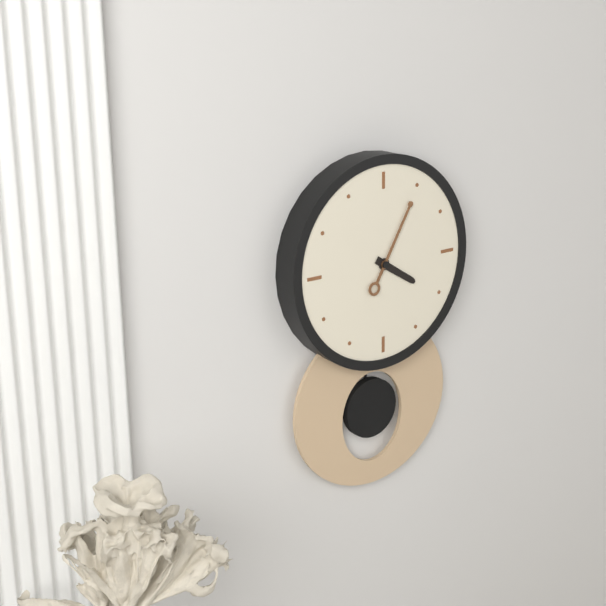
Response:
h=4 m=5
